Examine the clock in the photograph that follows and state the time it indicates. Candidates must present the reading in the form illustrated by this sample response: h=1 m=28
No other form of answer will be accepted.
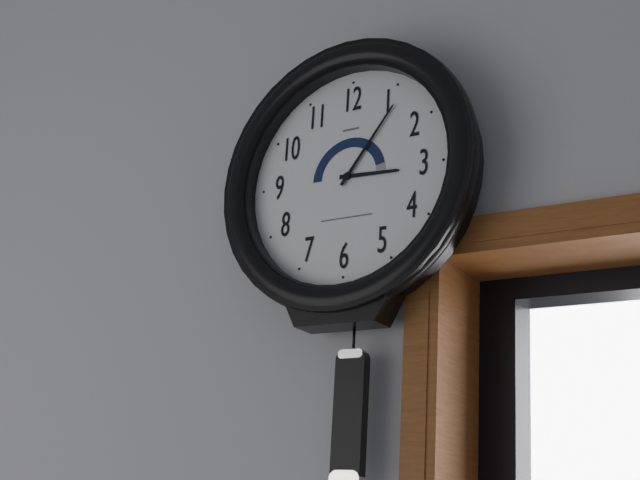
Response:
h=3 m=6
